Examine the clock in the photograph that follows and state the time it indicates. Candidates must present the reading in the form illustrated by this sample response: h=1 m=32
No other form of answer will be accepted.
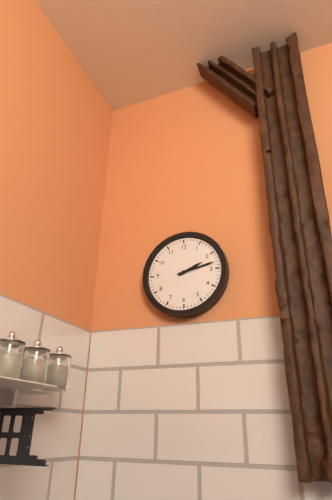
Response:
h=2 m=13
